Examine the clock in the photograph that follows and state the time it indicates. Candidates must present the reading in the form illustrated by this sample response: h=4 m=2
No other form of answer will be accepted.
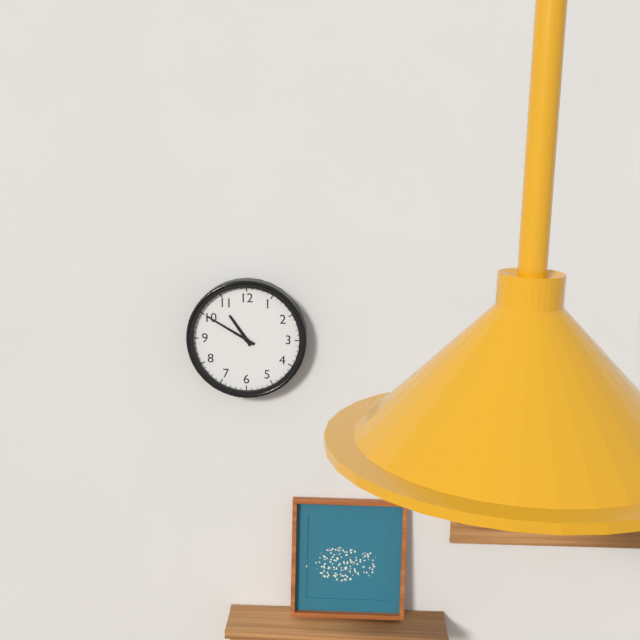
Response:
h=10 m=50
